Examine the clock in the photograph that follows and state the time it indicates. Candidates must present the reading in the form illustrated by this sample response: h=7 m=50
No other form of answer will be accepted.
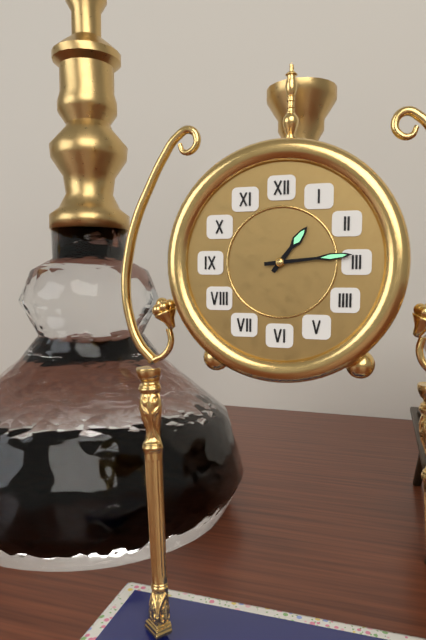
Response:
h=1 m=14
